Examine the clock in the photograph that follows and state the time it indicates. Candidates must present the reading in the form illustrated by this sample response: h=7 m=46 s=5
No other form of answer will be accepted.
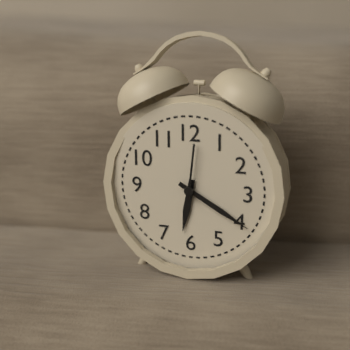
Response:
h=6 m=20 s=1
